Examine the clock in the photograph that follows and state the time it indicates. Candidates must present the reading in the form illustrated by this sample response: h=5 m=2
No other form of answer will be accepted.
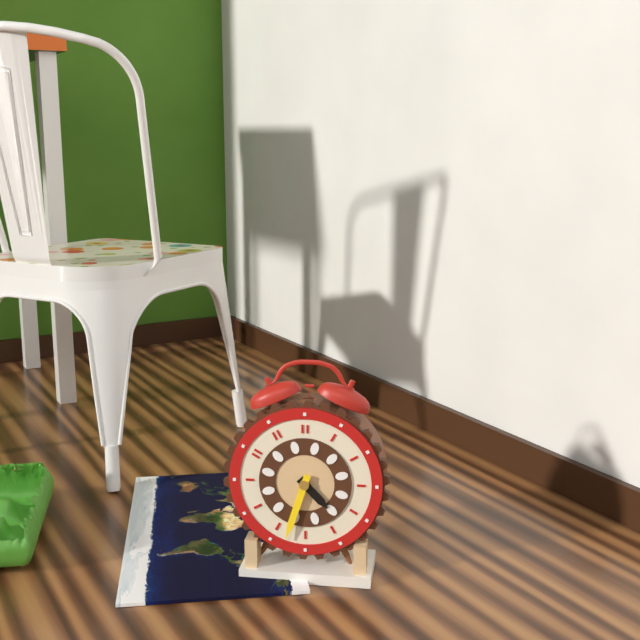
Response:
h=4 m=33
